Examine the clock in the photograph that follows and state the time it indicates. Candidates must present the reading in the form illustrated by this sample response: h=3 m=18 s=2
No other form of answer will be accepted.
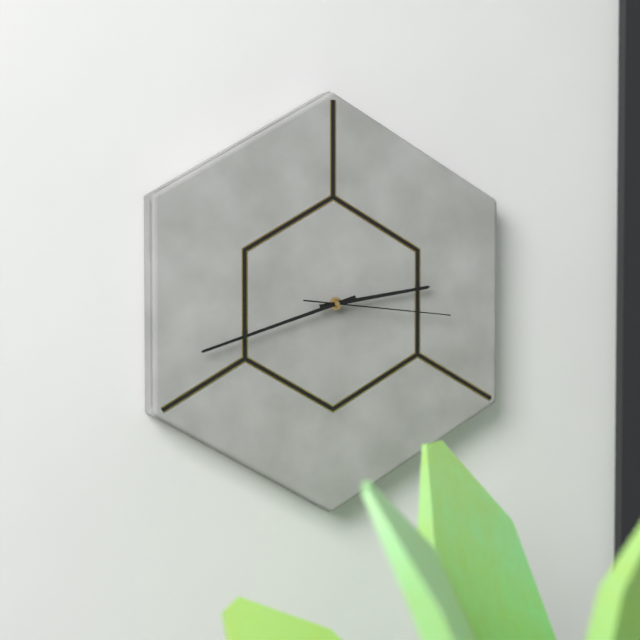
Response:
h=2 m=42 s=16
